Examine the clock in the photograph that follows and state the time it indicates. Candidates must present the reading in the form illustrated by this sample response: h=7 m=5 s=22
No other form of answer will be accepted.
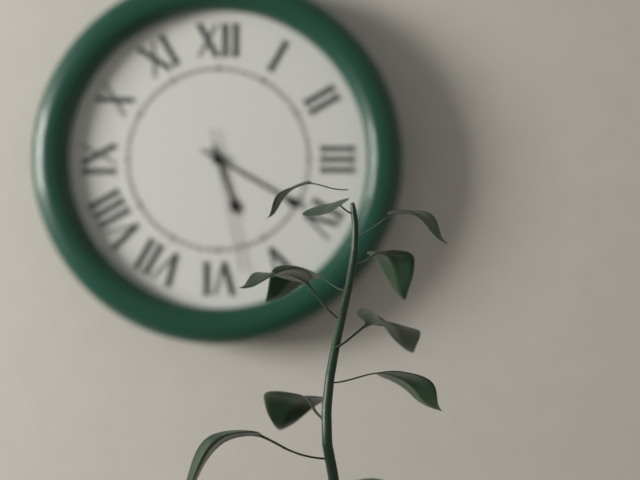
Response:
h=5 m=20 s=28
